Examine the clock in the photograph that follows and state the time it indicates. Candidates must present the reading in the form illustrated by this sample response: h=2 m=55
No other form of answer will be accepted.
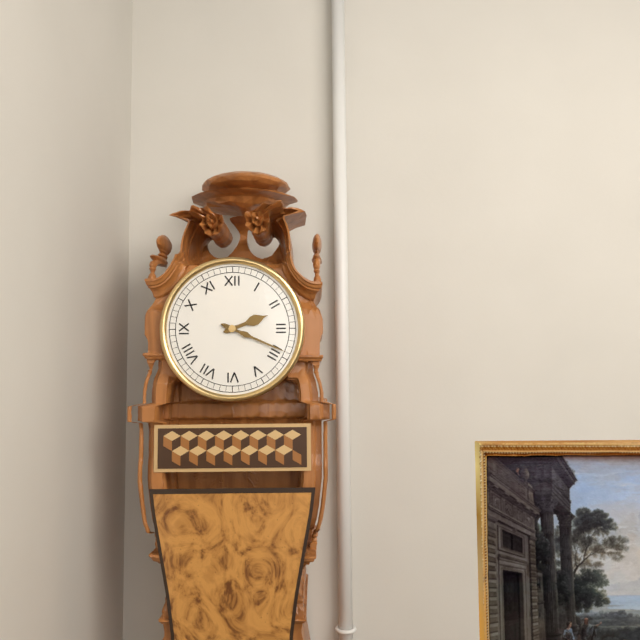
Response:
h=2 m=19
